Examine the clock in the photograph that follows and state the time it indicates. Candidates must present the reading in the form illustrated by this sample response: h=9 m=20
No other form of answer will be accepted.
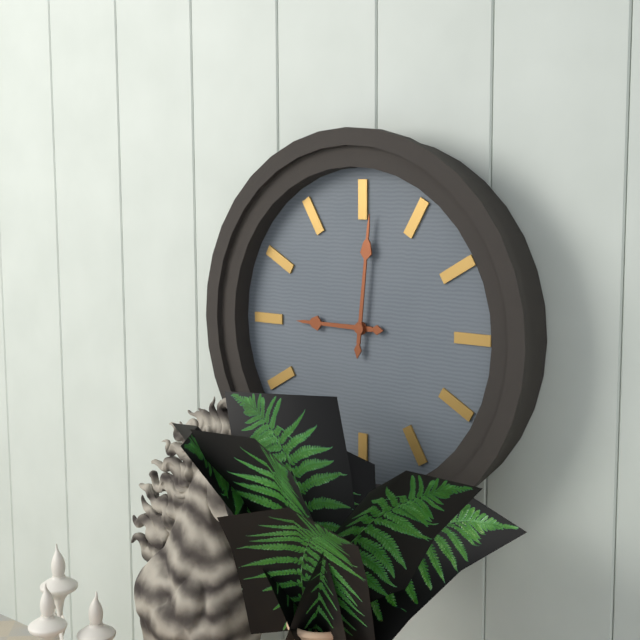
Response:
h=9 m=1
